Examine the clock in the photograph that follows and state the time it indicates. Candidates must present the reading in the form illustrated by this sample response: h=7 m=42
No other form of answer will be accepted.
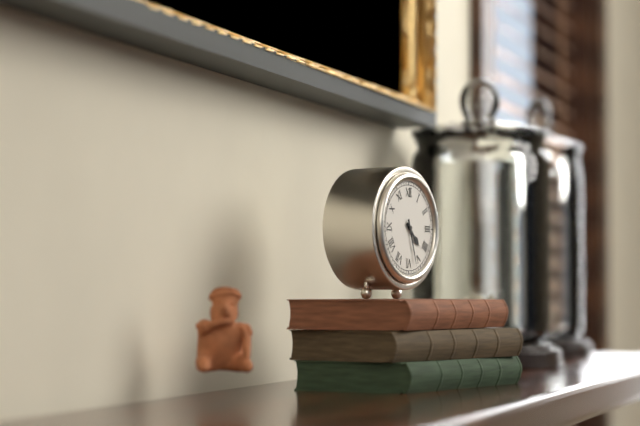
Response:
h=4 m=27
